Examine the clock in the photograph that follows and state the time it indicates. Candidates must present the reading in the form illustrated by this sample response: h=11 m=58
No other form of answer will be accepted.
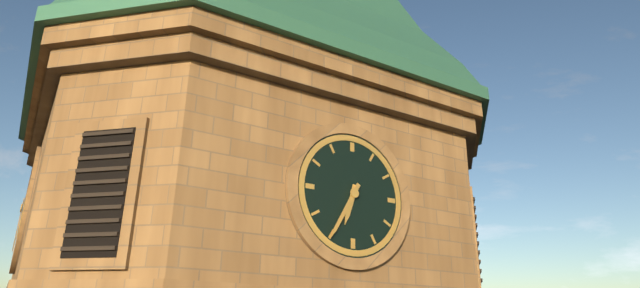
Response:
h=6 m=35
